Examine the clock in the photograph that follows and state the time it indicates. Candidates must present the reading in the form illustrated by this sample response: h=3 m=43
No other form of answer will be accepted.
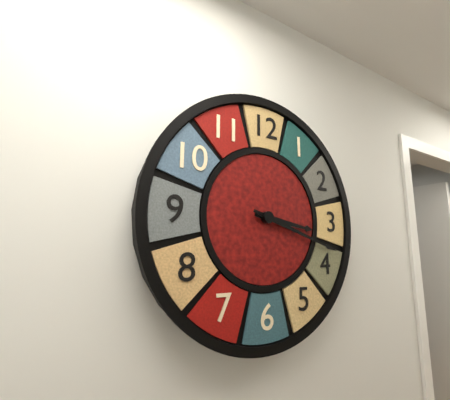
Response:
h=3 m=18
